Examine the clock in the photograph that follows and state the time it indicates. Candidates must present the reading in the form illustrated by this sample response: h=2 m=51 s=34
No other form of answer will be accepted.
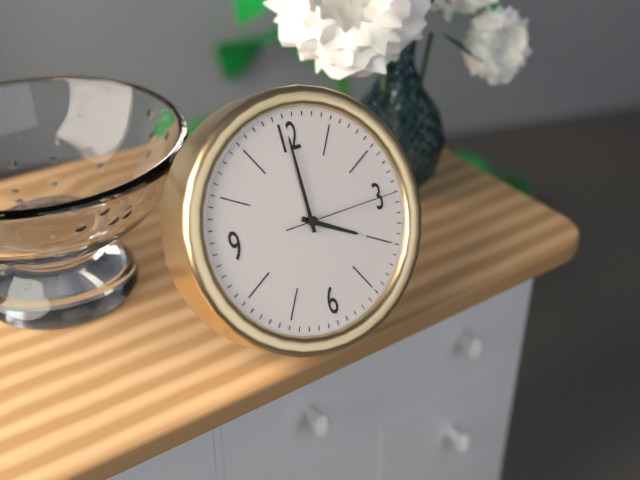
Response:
h=4 m=0 s=15
